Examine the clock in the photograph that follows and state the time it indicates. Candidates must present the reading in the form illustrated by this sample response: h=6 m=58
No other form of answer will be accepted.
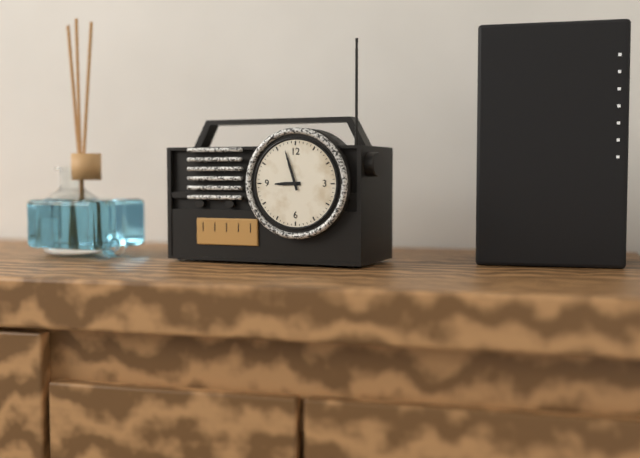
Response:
h=8 m=57
